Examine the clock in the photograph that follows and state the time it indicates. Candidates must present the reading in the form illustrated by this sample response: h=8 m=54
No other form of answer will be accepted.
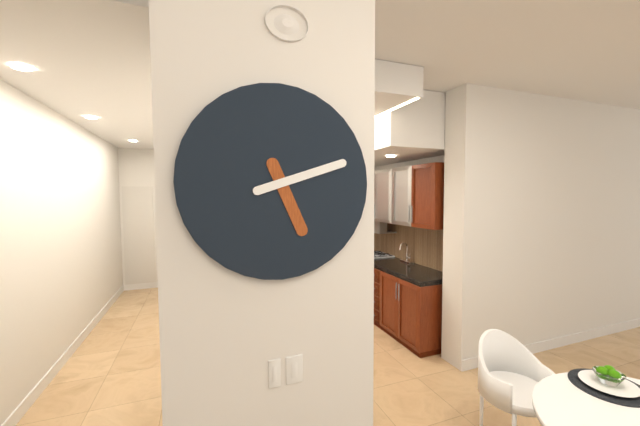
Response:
h=5 m=12
